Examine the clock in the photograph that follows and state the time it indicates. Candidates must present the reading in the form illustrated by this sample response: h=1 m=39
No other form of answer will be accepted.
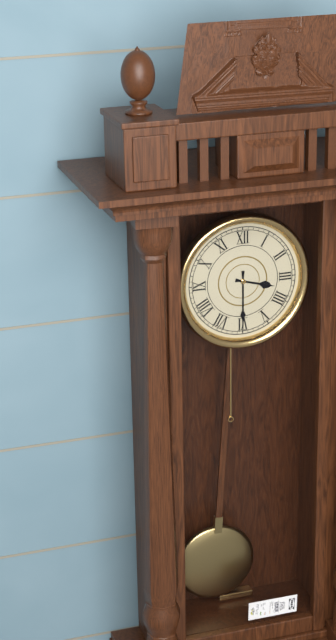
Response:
h=3 m=30
